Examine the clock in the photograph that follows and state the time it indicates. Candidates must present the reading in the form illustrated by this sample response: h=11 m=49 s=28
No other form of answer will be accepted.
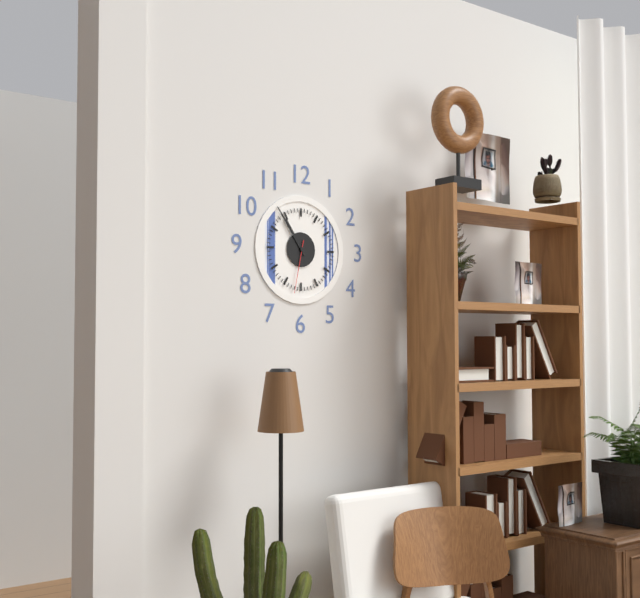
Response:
h=10 m=54 s=32
